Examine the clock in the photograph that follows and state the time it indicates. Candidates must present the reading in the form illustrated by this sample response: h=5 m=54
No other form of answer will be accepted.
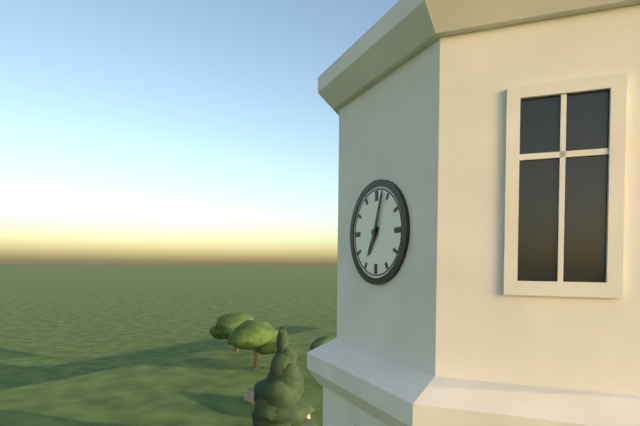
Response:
h=7 m=3
